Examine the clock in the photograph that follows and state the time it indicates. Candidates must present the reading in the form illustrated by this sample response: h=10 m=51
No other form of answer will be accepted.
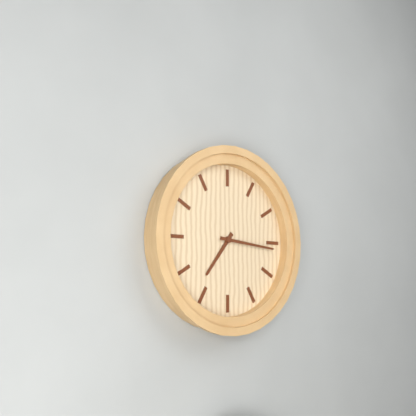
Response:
h=7 m=16
